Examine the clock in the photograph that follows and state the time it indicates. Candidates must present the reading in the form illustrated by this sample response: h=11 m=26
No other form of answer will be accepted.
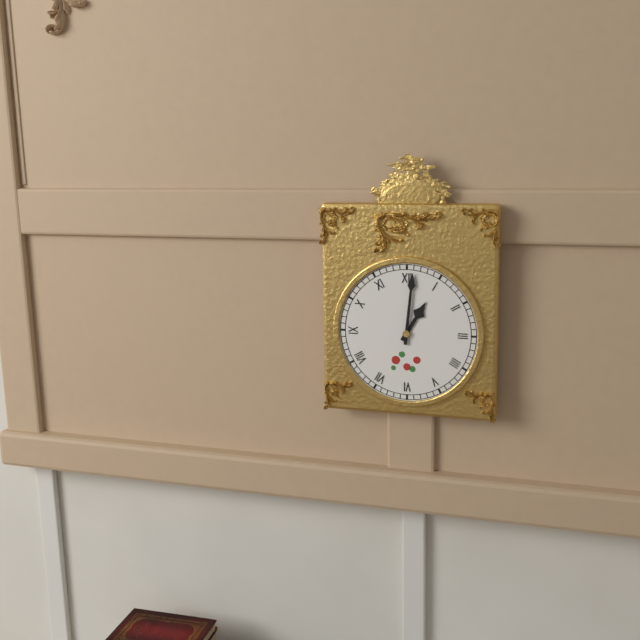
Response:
h=1 m=1
